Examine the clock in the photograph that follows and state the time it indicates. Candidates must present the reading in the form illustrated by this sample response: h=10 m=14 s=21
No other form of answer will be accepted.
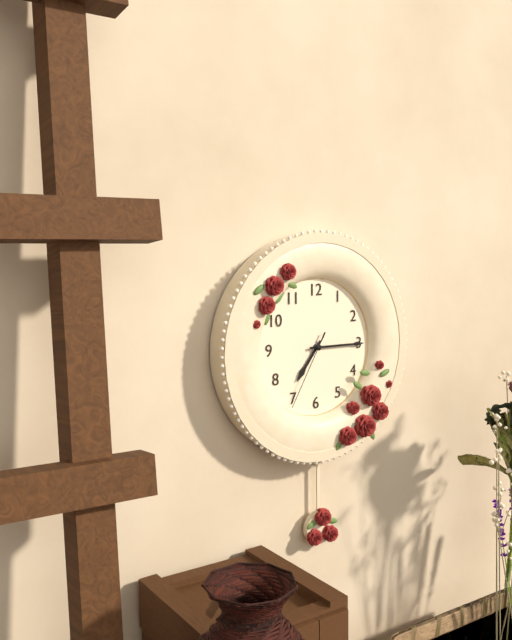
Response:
h=7 m=15 s=35
